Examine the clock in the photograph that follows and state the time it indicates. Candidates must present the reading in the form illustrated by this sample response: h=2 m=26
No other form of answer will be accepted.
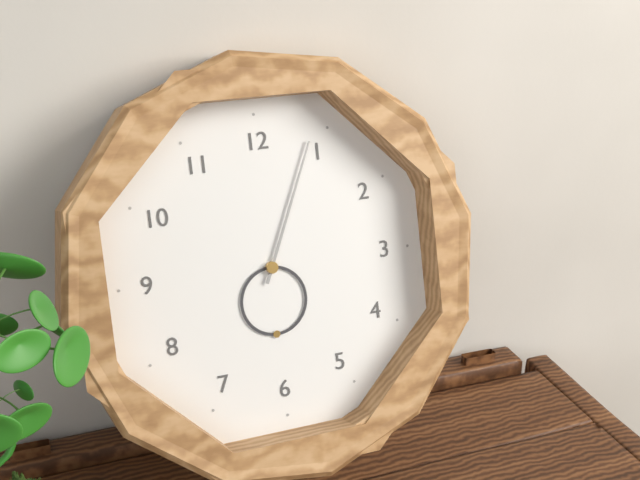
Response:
h=6 m=4
